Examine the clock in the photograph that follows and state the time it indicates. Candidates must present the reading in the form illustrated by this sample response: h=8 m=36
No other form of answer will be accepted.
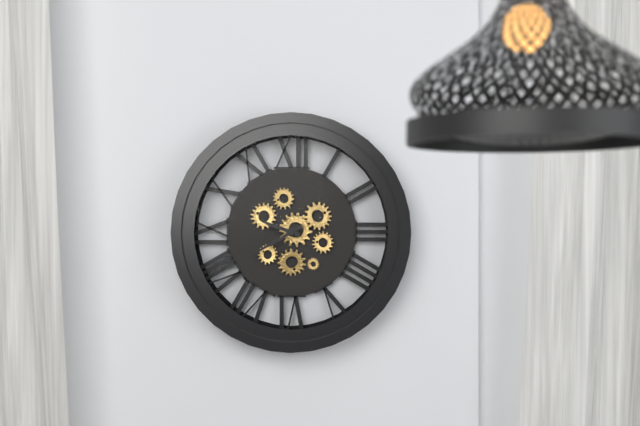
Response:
h=9 m=40
